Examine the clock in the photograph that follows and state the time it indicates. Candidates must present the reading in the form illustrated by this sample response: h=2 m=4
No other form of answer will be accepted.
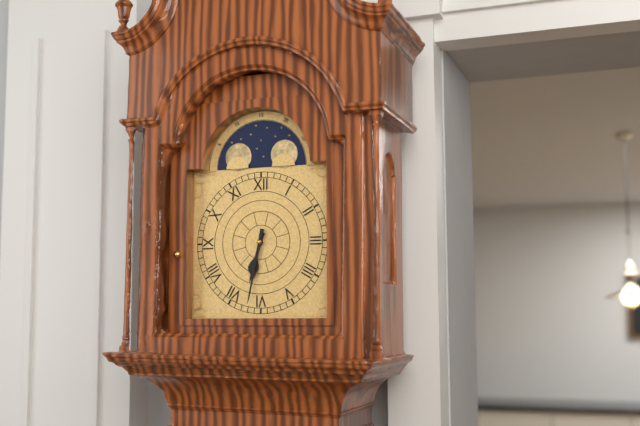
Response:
h=6 m=32
